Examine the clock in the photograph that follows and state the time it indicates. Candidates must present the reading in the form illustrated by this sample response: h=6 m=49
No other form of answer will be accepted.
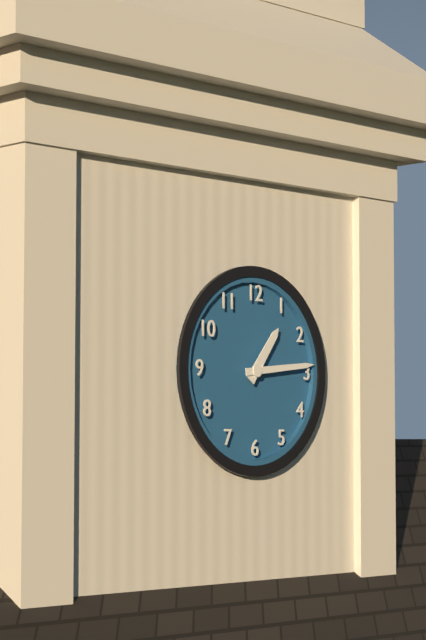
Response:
h=1 m=14
